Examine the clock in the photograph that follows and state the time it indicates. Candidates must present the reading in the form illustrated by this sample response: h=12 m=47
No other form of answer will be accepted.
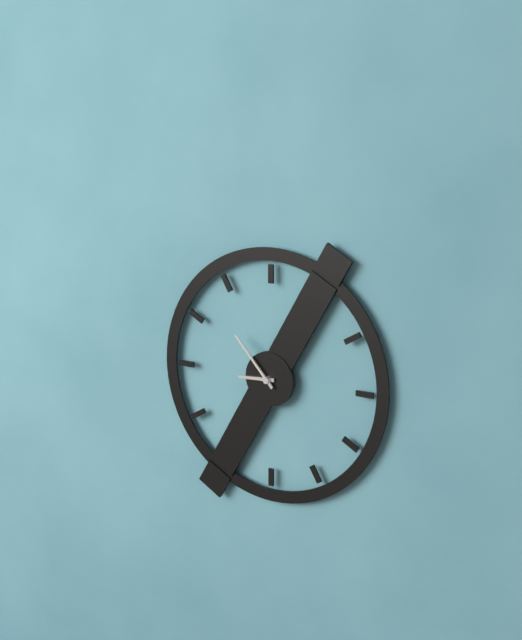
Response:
h=8 m=53
